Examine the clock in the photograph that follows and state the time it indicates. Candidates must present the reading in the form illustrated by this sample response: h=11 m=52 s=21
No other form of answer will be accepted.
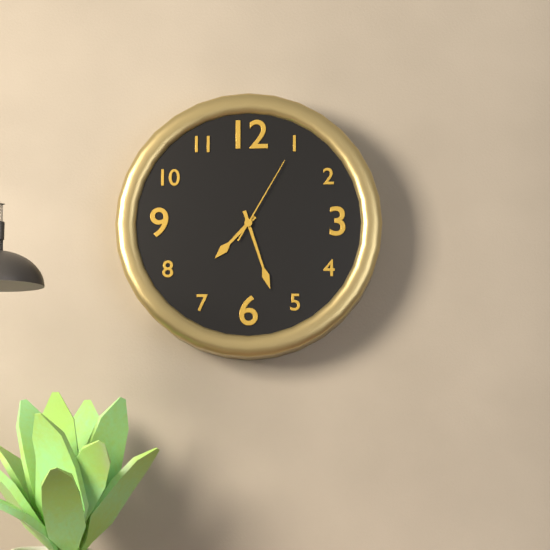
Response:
h=7 m=27 s=5
